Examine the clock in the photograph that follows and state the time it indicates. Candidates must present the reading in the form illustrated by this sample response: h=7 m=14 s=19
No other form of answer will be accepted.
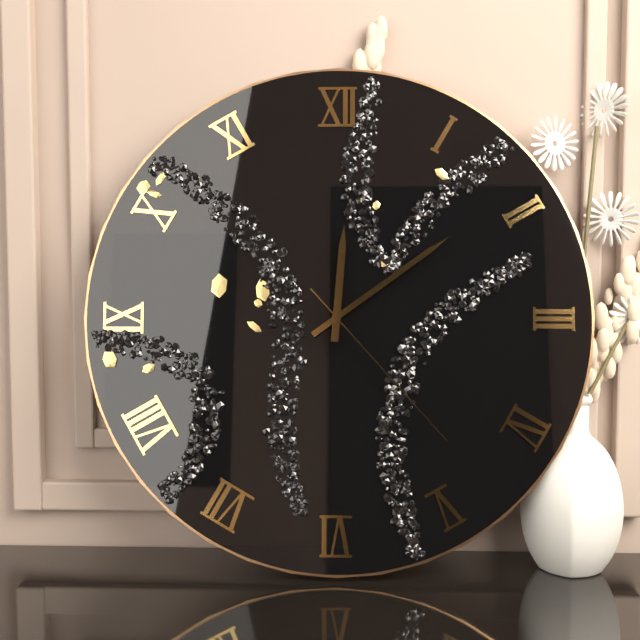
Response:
h=12 m=9 s=23
